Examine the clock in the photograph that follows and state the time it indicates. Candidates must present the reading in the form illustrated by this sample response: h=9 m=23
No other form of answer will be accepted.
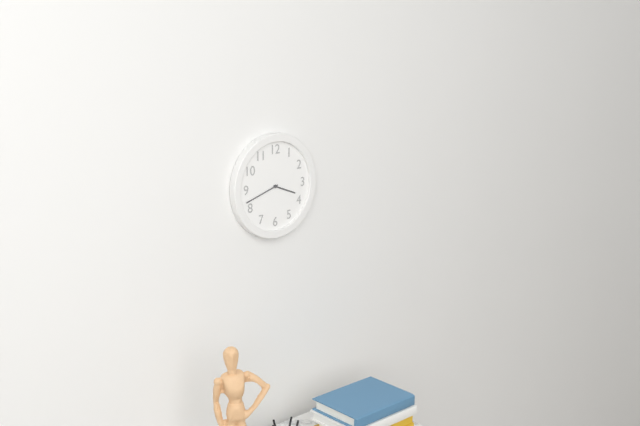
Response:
h=3 m=42
